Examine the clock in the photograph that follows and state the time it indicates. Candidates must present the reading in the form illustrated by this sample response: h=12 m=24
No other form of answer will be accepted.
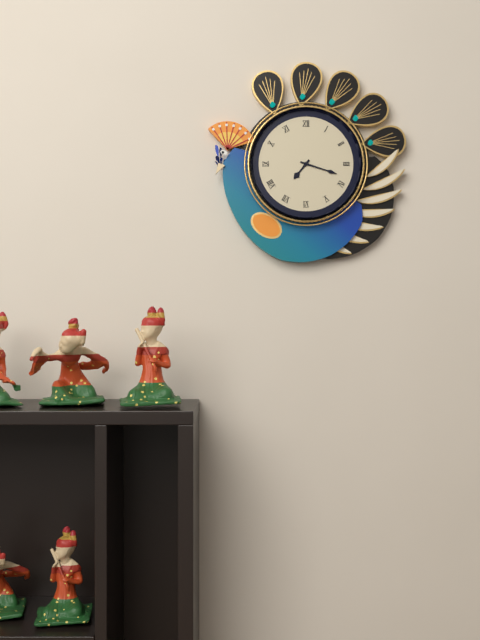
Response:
h=7 m=18
